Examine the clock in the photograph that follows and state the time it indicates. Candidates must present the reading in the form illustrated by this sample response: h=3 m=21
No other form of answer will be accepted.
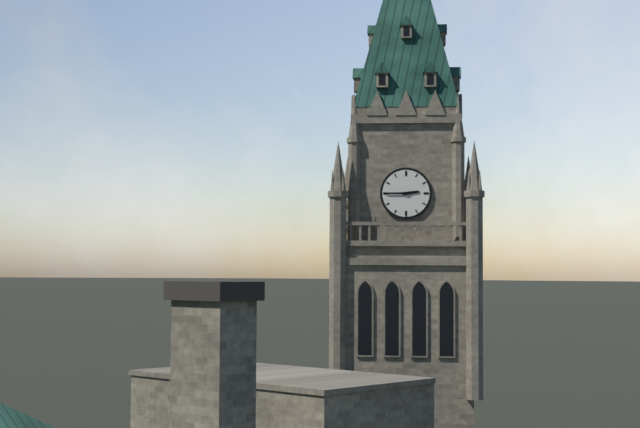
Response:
h=2 m=45
